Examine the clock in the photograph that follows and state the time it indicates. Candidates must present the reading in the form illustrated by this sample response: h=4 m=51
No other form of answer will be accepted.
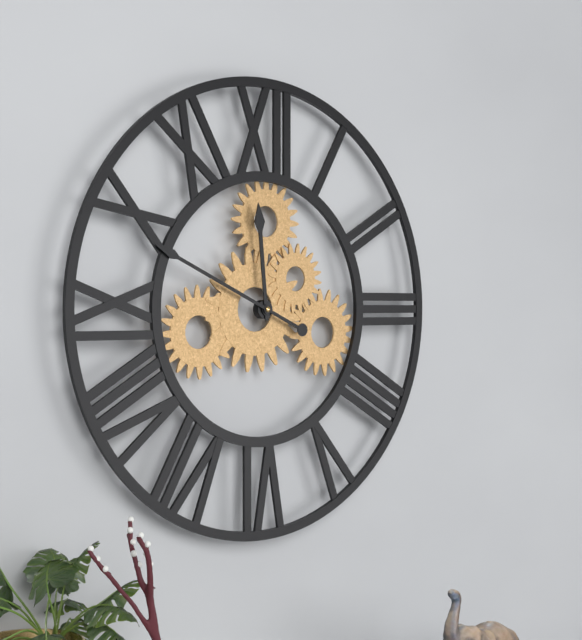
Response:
h=11 m=49
